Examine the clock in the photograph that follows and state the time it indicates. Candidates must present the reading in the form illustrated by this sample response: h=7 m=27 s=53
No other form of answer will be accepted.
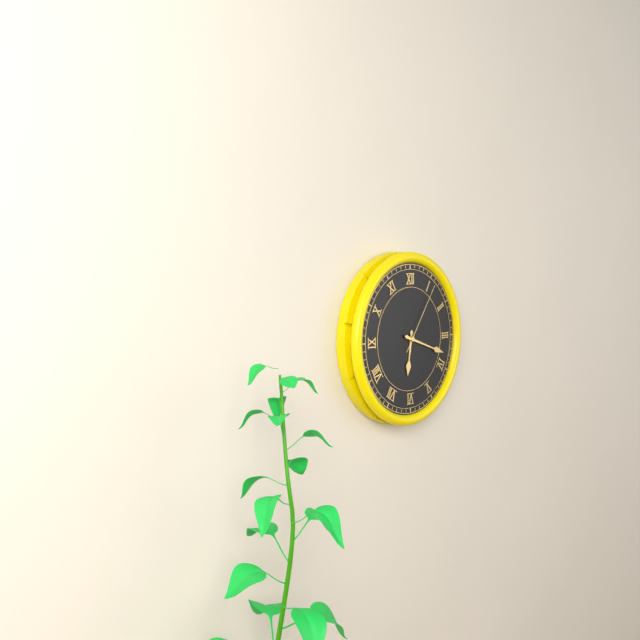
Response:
h=6 m=18 s=6
